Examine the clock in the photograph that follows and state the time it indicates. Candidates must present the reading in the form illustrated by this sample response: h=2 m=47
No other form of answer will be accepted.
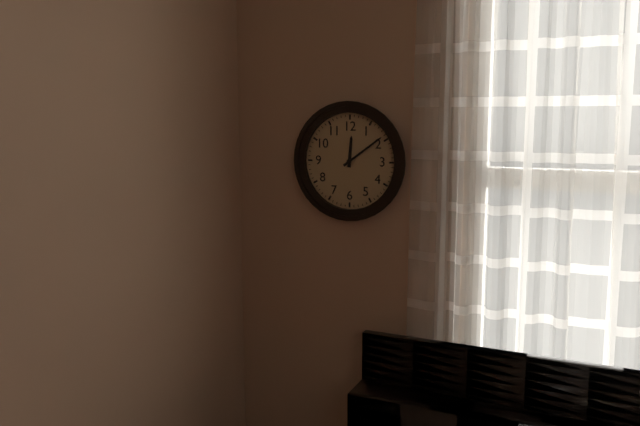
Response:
h=12 m=9
